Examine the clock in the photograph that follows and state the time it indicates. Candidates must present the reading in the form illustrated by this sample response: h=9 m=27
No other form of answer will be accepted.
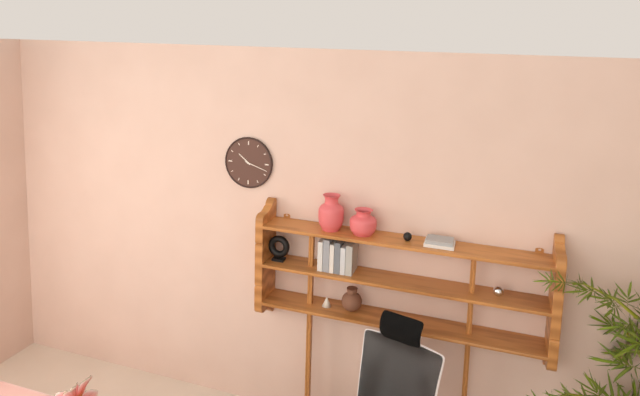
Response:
h=10 m=18
